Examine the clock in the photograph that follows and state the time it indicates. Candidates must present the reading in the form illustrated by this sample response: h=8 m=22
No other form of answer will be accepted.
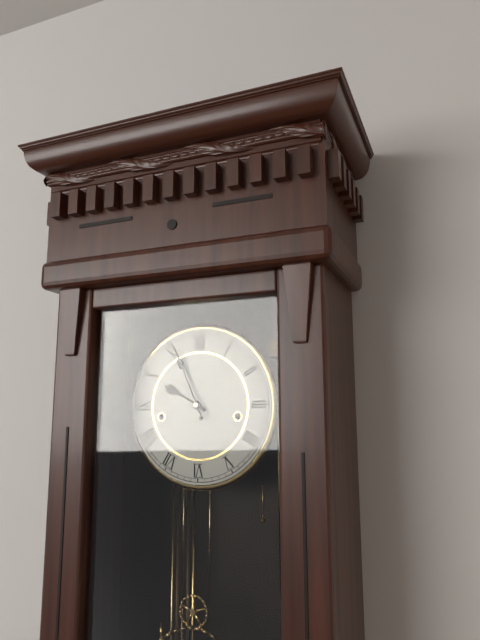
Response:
h=9 m=56
